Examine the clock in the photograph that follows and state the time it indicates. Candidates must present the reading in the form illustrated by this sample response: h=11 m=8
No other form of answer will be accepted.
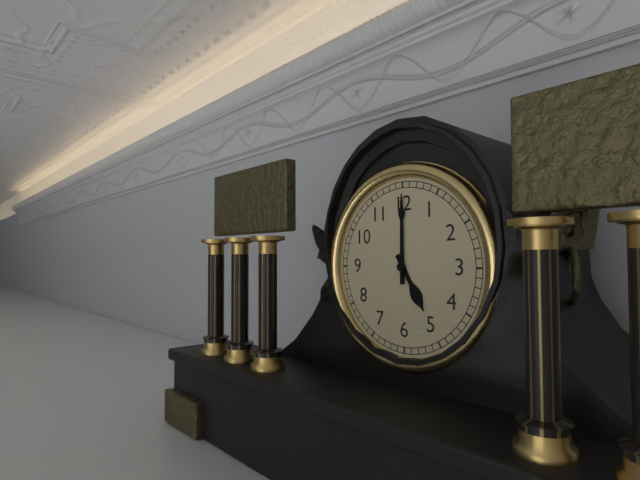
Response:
h=5 m=0
